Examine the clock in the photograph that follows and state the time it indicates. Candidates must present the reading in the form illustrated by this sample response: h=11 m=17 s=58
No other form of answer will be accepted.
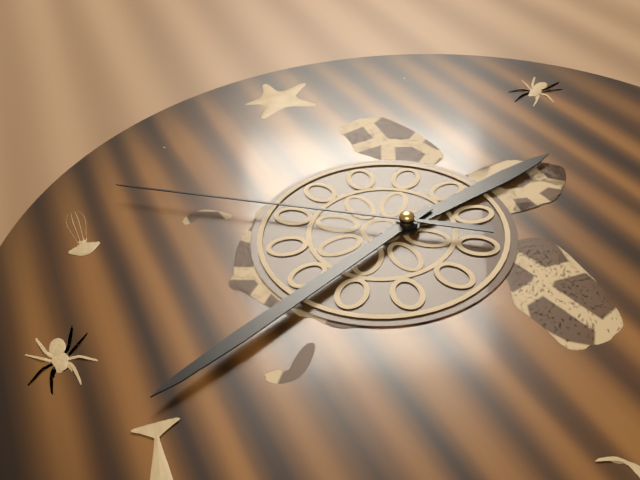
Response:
h=2 m=42 s=52
